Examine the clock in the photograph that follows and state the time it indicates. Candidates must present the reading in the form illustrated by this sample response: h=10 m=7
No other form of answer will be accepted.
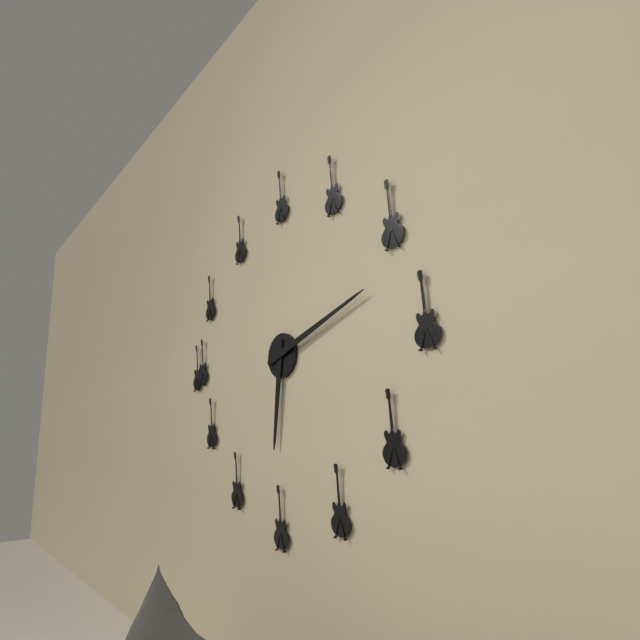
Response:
h=6 m=12
